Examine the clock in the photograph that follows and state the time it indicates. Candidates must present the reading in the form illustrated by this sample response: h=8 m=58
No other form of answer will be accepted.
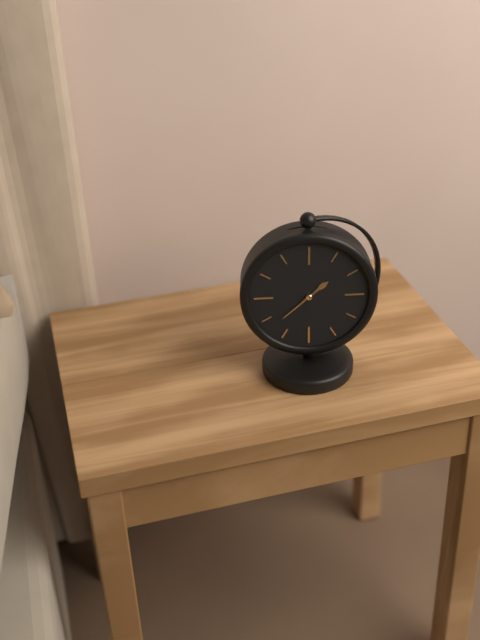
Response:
h=1 m=38
